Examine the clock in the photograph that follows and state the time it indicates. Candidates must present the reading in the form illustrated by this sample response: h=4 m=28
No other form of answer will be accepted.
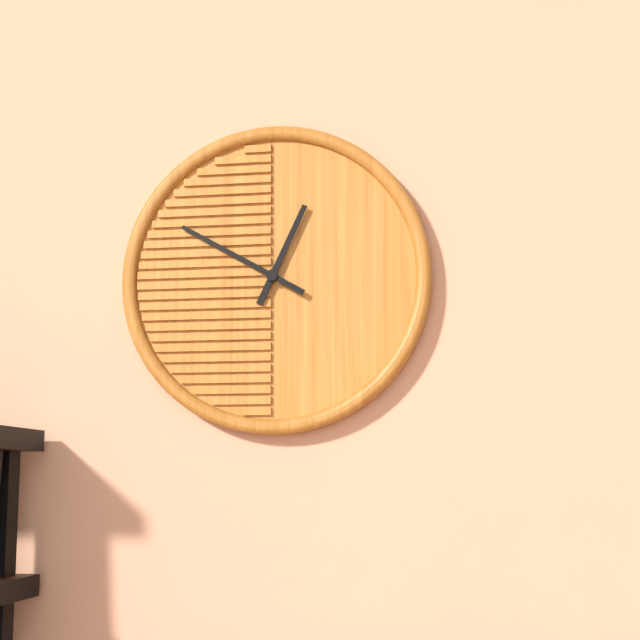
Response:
h=12 m=50
